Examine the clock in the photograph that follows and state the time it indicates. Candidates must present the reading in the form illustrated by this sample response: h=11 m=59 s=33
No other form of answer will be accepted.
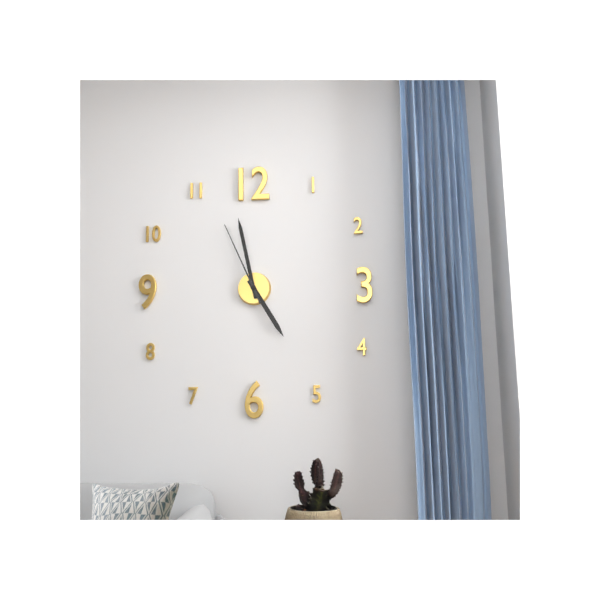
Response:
h=4 m=58 s=56
